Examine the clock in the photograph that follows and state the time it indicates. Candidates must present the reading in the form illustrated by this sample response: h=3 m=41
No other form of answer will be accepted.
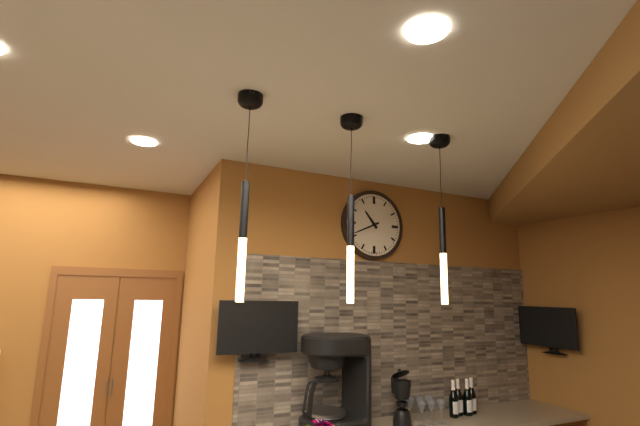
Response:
h=10 m=41
